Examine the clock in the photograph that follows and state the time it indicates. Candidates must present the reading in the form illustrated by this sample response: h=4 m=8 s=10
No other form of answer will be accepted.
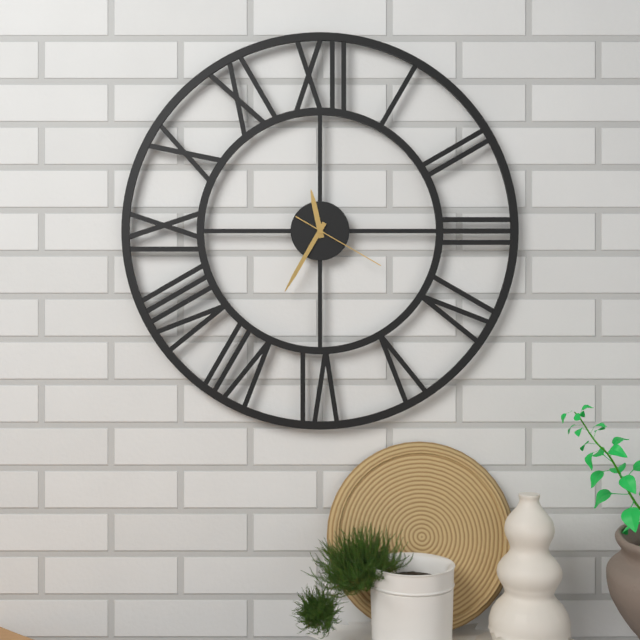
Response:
h=11 m=35 s=20
